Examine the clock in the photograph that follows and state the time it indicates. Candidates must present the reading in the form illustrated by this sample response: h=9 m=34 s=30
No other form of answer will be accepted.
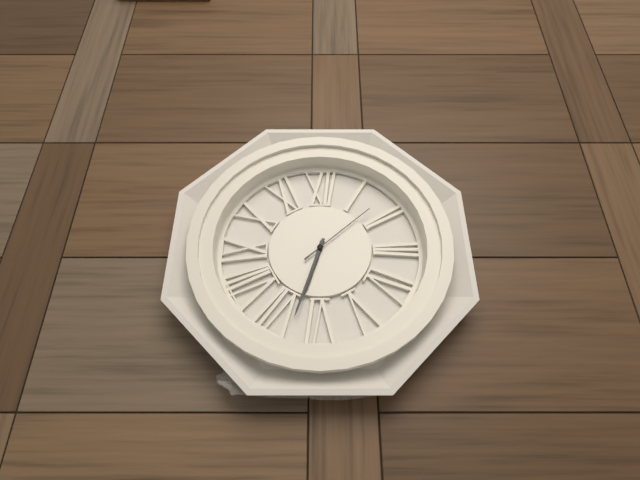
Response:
h=6 m=33 s=8
